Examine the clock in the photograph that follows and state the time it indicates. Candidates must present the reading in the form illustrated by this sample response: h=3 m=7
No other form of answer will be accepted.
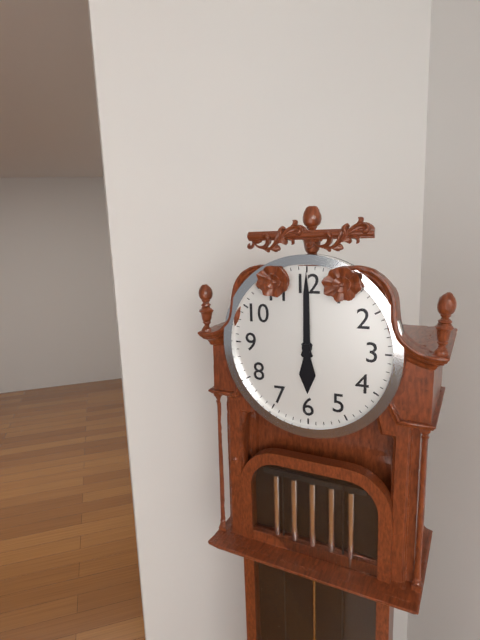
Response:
h=6 m=0
